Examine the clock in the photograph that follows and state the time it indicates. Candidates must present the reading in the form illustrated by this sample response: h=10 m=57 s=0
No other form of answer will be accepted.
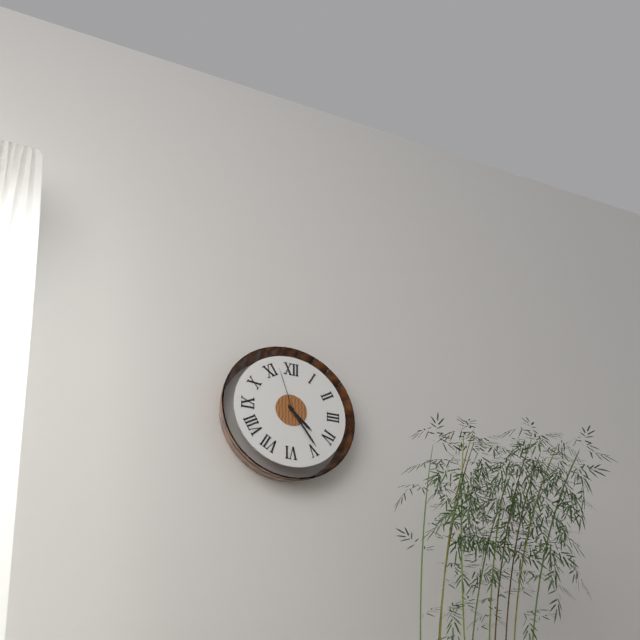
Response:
h=4 m=24 s=57
